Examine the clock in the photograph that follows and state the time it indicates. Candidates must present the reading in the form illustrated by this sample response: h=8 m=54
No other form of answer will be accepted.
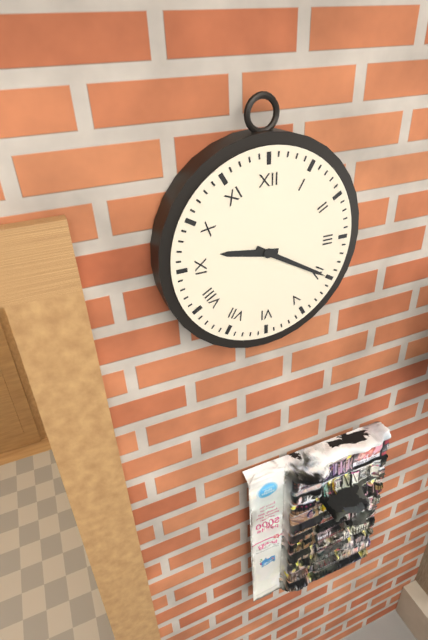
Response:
h=9 m=20
